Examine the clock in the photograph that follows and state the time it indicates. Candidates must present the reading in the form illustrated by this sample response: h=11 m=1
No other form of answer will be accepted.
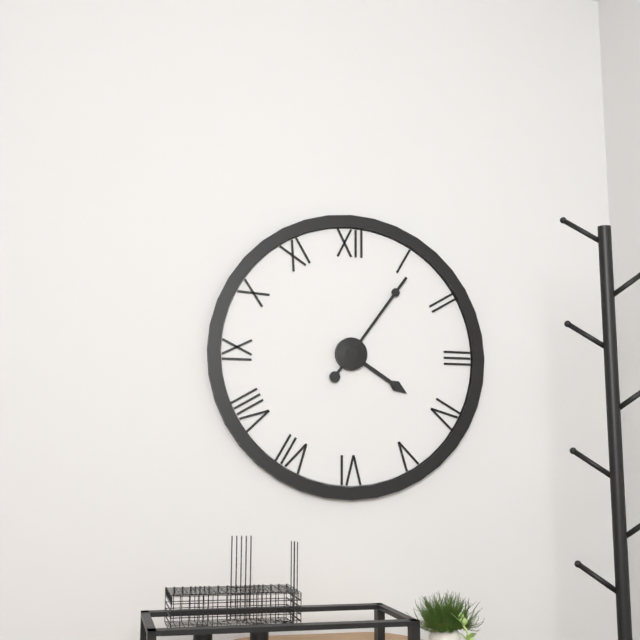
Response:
h=4 m=6
